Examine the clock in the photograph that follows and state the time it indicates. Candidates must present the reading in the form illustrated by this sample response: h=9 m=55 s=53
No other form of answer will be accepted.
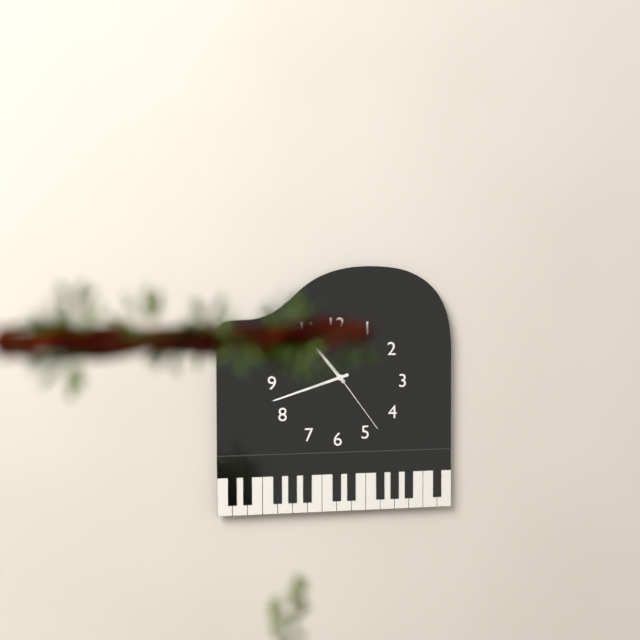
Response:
h=10 m=42 s=24
